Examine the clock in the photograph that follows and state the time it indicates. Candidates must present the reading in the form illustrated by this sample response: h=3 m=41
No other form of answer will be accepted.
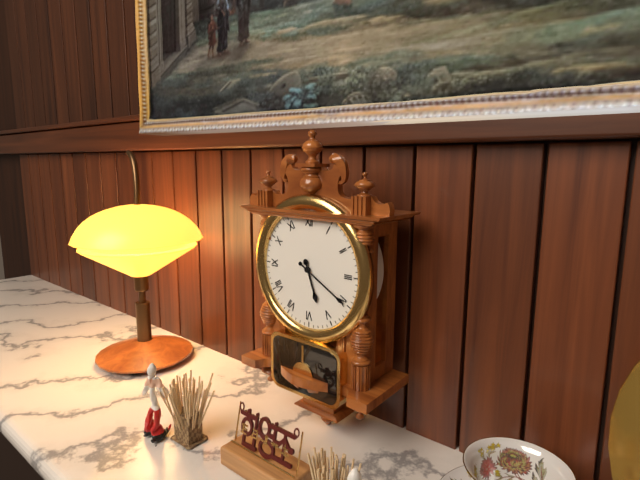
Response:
h=5 m=20
